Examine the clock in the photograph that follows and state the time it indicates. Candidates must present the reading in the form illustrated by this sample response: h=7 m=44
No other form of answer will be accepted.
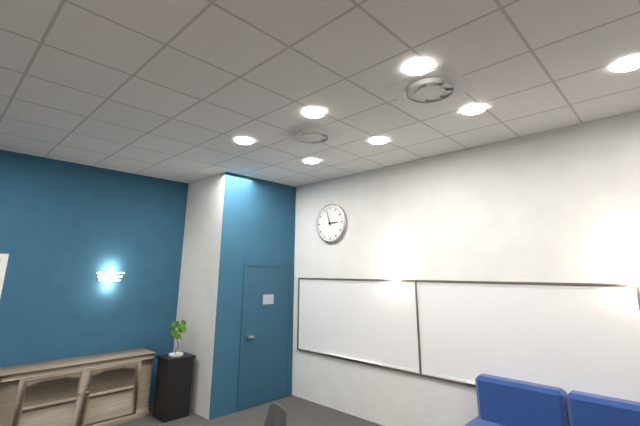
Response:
h=2 m=57
